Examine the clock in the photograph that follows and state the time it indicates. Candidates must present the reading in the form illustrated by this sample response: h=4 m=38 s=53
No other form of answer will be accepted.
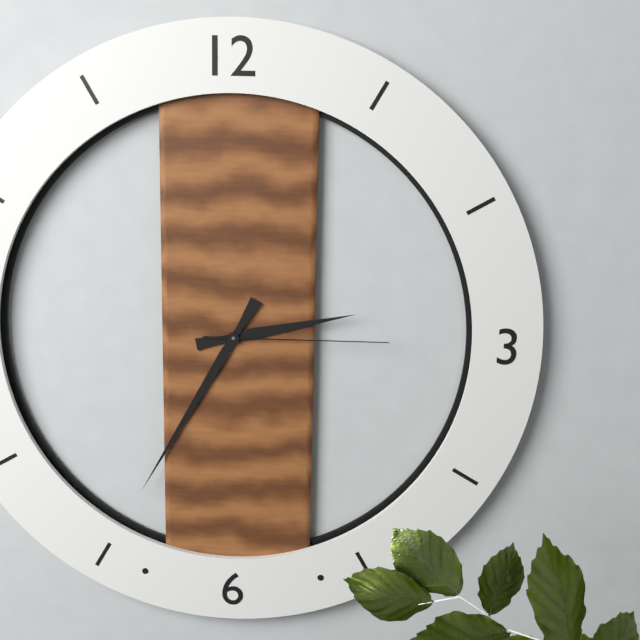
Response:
h=2 m=35 s=15
